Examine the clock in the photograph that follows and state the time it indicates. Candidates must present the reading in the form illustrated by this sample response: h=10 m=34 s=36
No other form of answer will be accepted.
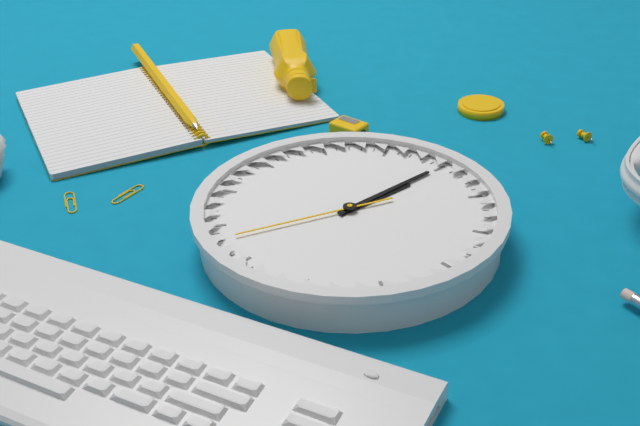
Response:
h=1 m=5 s=38
